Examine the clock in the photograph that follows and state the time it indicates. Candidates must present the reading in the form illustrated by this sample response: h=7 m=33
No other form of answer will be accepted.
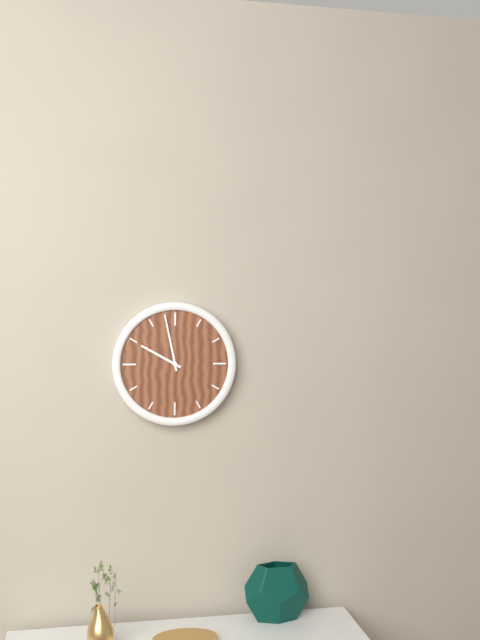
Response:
h=9 m=58
